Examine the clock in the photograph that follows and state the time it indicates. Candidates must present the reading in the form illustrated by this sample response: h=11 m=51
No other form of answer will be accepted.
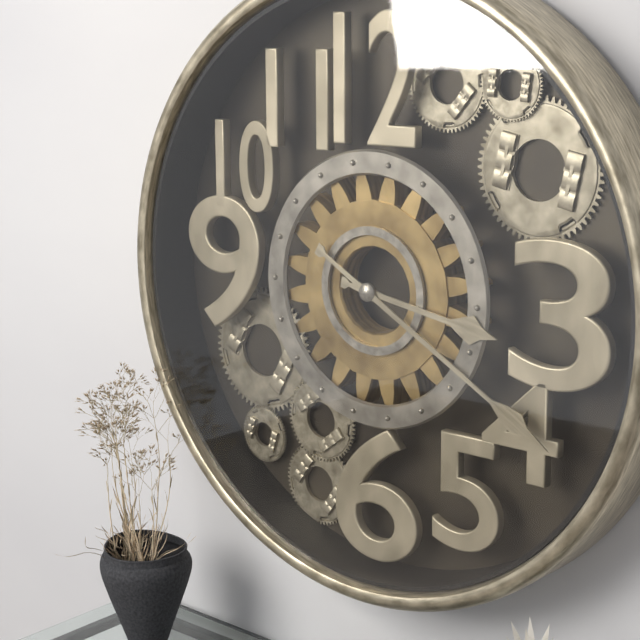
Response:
h=3 m=20
